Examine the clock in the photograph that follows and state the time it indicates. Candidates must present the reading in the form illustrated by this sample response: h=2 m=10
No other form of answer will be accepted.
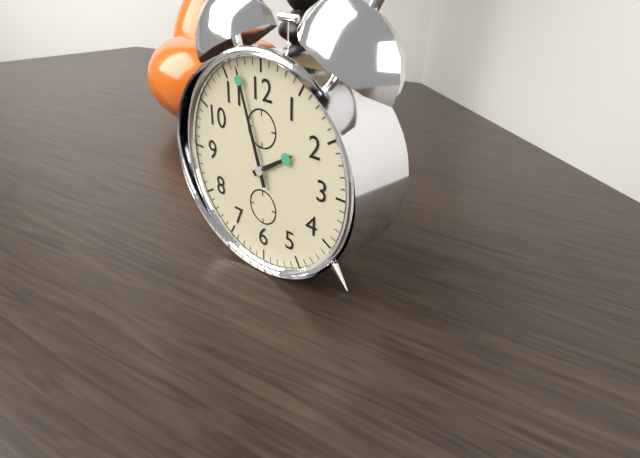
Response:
h=1 m=57
